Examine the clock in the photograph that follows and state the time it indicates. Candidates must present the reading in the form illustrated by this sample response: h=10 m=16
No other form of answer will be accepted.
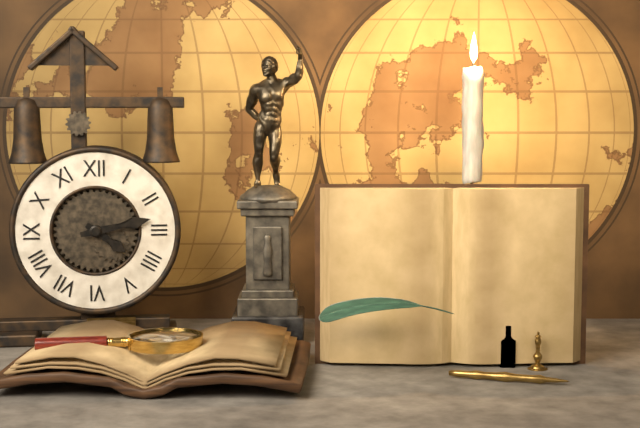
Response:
h=4 m=13
